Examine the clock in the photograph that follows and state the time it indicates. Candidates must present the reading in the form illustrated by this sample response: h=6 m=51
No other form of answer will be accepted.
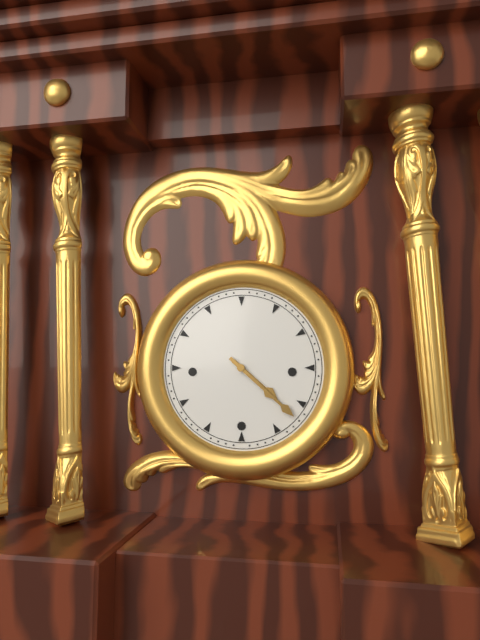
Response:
h=4 m=22
